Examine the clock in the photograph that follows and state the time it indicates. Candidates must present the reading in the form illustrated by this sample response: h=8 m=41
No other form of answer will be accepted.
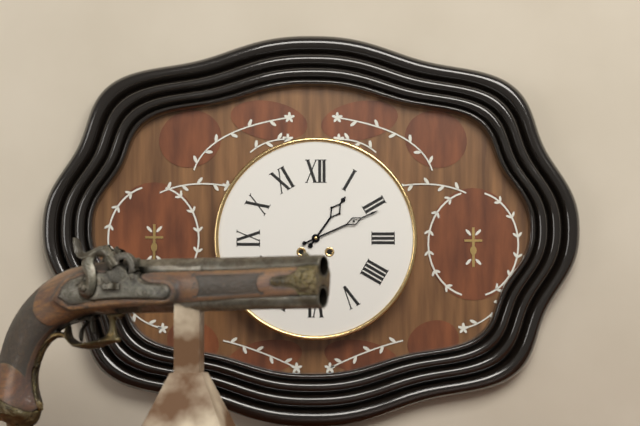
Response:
h=1 m=11
